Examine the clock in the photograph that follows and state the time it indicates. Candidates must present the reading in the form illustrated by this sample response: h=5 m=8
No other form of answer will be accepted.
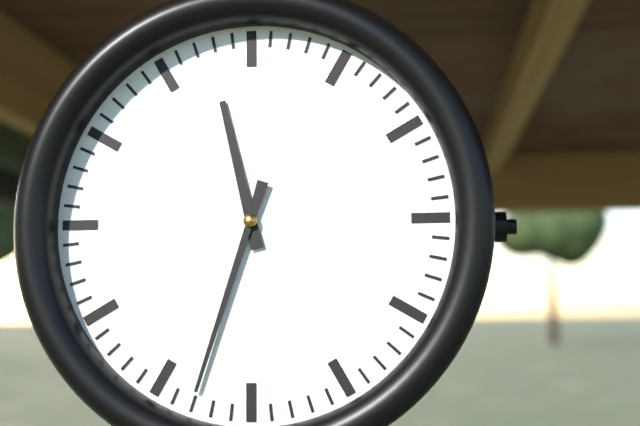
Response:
h=11 m=33
